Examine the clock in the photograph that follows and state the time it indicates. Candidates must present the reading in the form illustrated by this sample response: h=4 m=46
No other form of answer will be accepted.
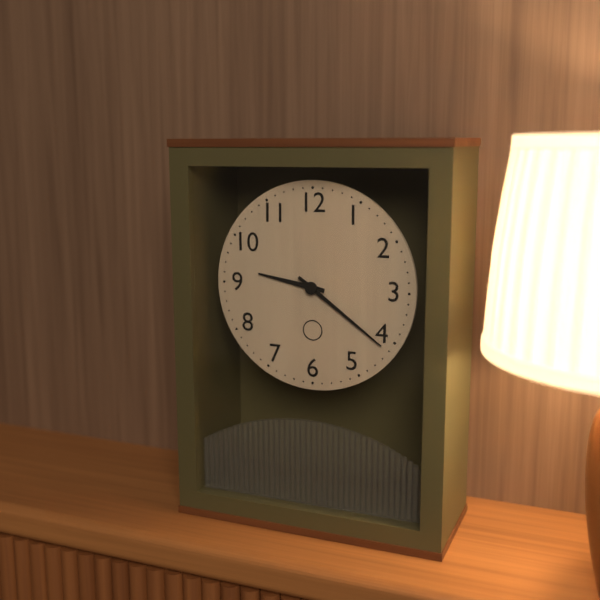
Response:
h=9 m=21
